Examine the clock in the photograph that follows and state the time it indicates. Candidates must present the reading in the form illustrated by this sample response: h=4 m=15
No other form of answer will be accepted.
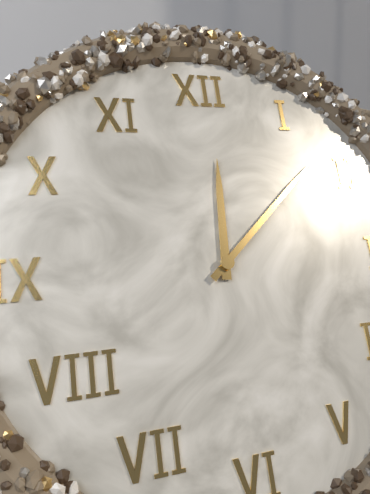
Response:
h=12 m=8
